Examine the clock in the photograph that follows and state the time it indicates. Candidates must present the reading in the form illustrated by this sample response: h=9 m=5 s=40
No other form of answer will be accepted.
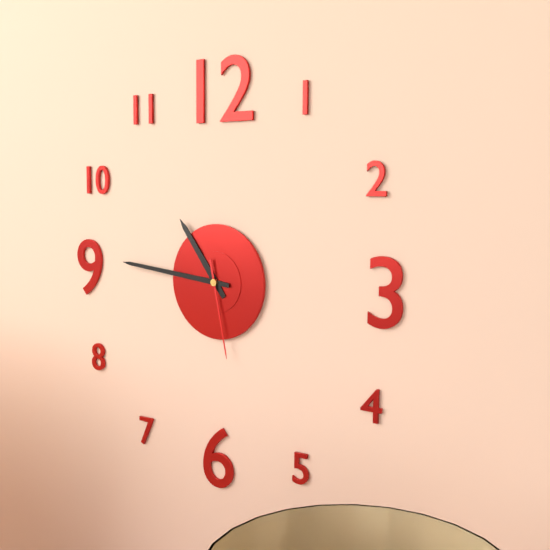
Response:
h=10 m=46 s=28
